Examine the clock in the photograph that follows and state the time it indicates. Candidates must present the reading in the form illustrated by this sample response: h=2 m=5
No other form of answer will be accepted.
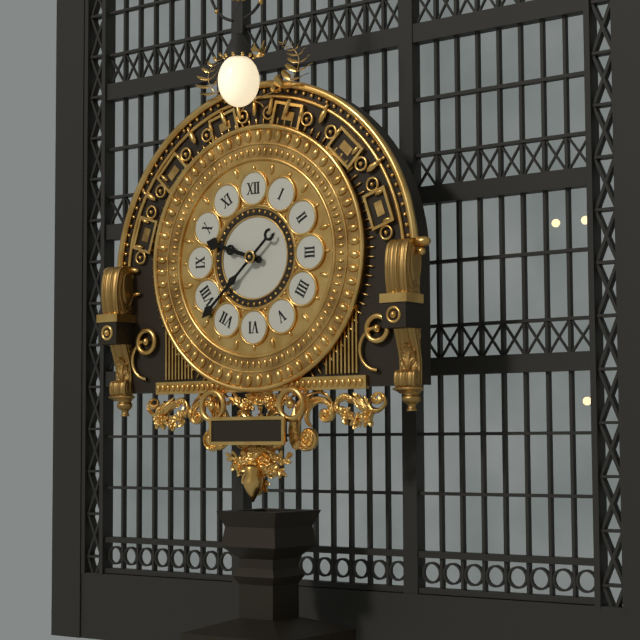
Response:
h=9 m=38
